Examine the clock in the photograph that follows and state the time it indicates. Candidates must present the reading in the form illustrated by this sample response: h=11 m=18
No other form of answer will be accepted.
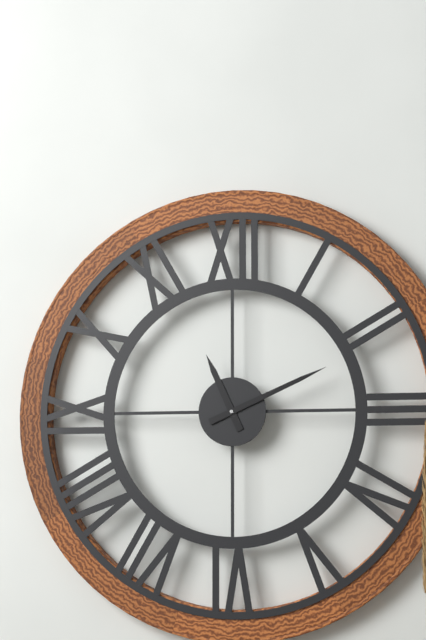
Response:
h=11 m=11
